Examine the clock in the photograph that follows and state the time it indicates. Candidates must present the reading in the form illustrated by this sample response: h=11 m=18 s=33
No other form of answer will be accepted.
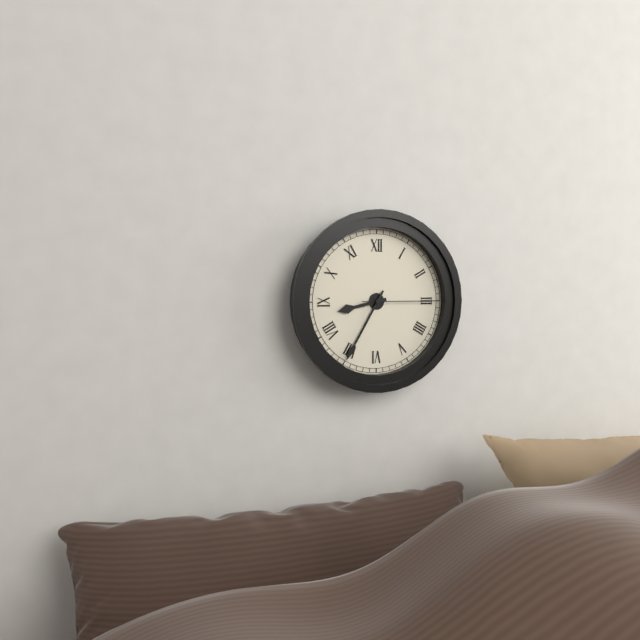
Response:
h=8 m=35 s=15
